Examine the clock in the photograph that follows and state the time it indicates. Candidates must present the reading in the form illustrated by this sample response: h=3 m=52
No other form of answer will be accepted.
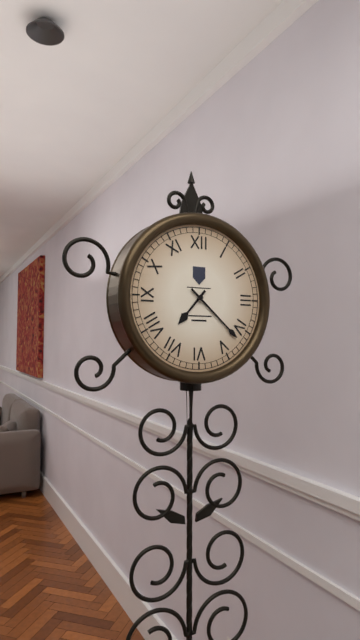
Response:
h=7 m=22
